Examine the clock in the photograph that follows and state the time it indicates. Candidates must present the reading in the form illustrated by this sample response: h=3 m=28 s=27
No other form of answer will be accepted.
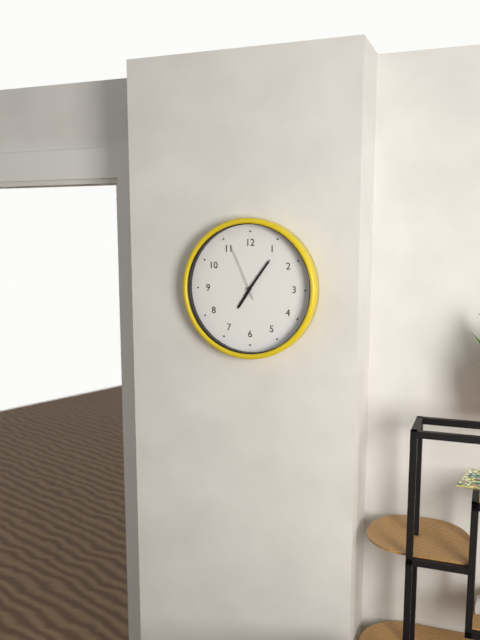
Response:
h=7 m=6 s=56
